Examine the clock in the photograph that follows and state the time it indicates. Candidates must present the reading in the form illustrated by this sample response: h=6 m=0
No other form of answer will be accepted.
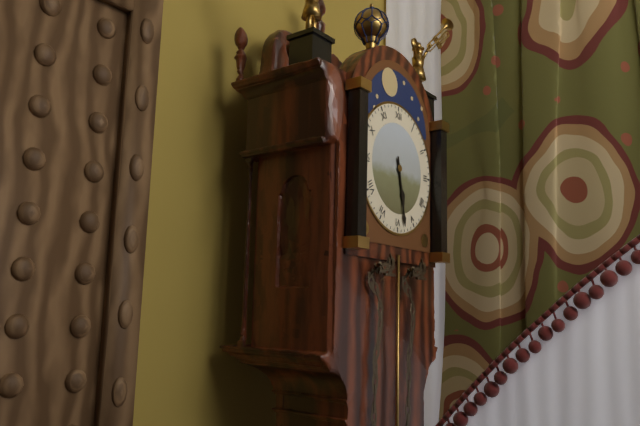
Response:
h=5 m=28
